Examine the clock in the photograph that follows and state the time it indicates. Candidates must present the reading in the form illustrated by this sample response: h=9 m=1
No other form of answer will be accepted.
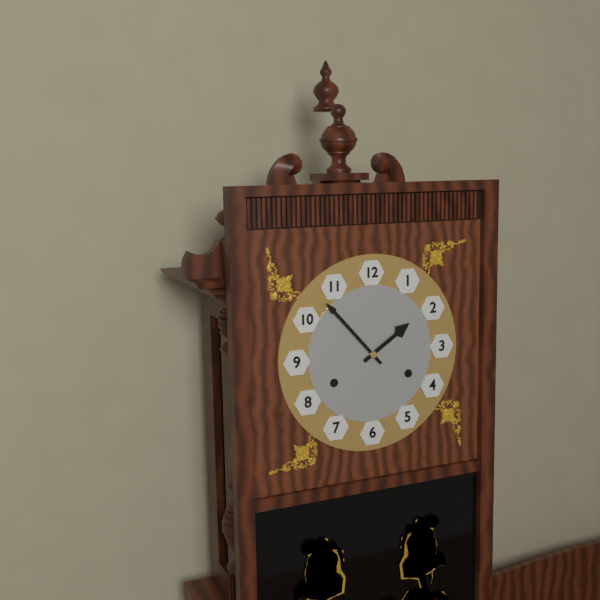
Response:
h=1 m=53
